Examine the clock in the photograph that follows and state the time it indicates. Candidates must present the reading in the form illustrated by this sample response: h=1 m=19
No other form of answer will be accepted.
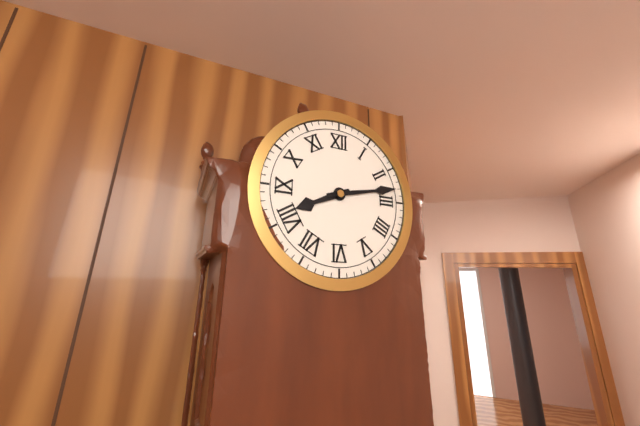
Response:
h=8 m=13
